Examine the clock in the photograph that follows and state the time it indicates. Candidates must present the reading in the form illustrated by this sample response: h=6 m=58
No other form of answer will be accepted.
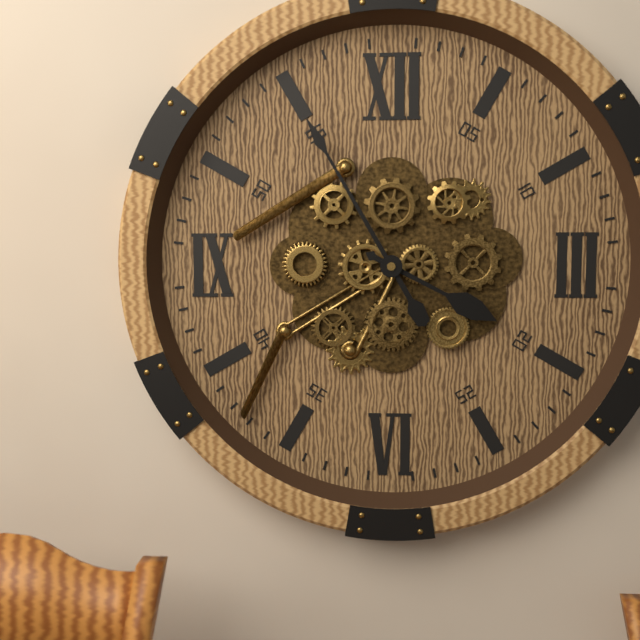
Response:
h=3 m=55
